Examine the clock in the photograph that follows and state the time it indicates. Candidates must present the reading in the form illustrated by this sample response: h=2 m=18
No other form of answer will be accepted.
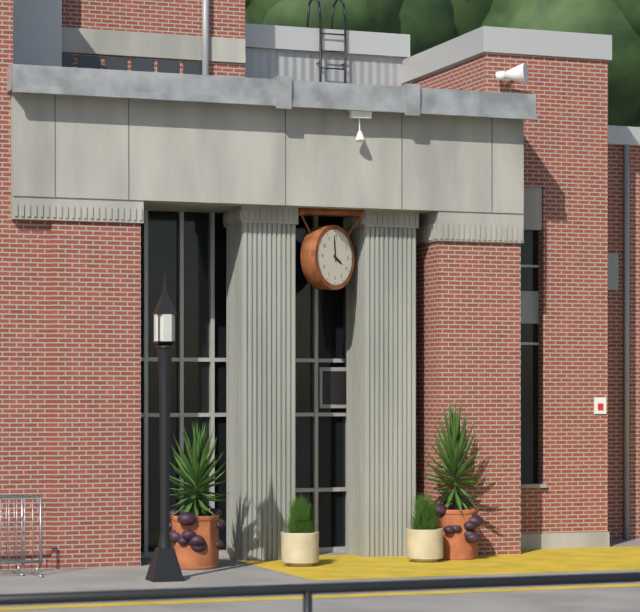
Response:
h=3 m=59
